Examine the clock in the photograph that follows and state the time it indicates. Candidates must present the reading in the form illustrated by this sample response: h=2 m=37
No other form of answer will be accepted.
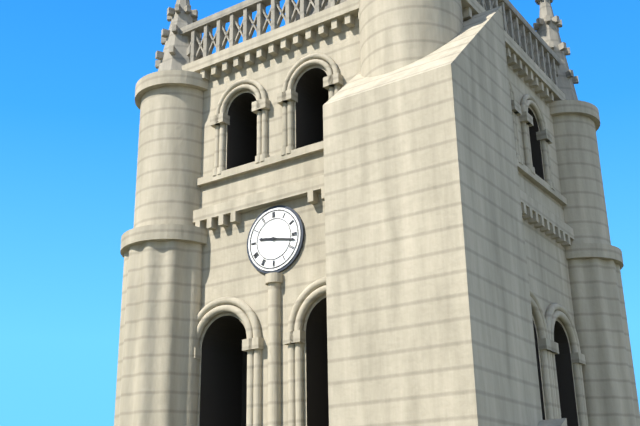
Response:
h=9 m=17
